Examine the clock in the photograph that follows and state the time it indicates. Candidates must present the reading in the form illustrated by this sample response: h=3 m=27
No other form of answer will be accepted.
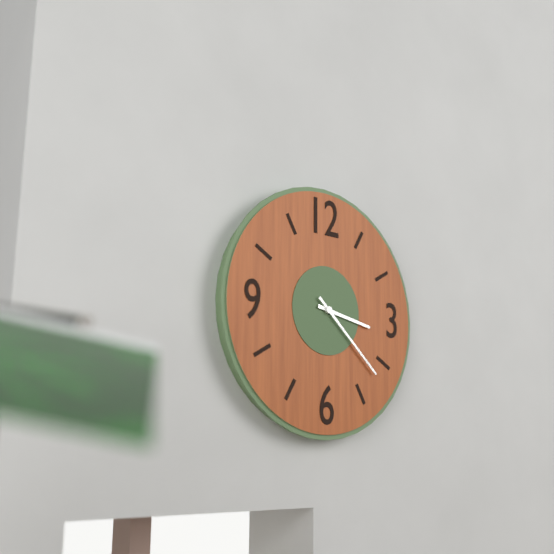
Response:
h=3 m=22
